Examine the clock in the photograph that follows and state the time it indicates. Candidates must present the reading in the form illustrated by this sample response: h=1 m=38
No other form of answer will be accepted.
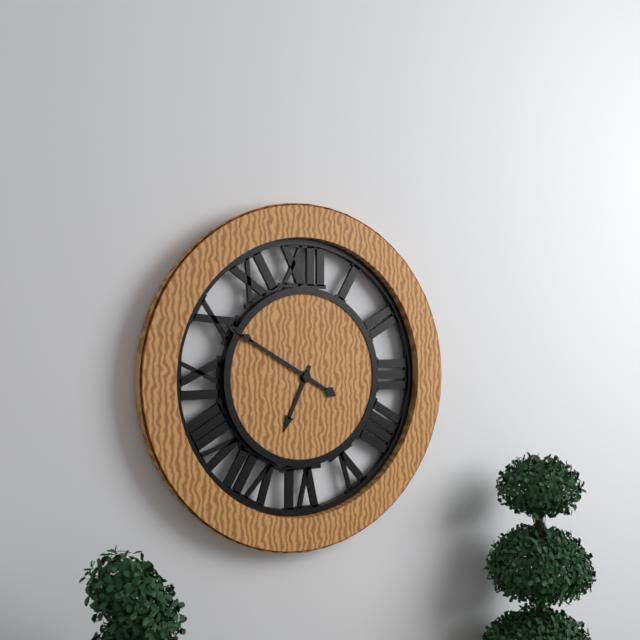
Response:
h=6 m=50
